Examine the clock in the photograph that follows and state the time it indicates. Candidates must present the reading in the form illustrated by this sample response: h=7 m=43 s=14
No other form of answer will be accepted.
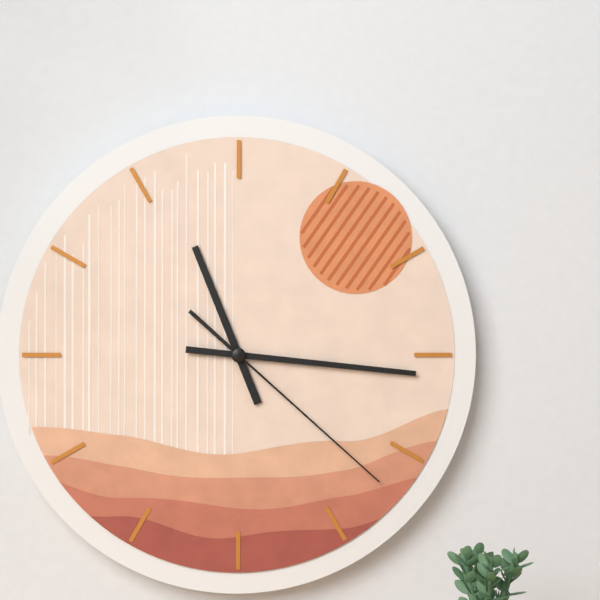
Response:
h=11 m=16 s=22
